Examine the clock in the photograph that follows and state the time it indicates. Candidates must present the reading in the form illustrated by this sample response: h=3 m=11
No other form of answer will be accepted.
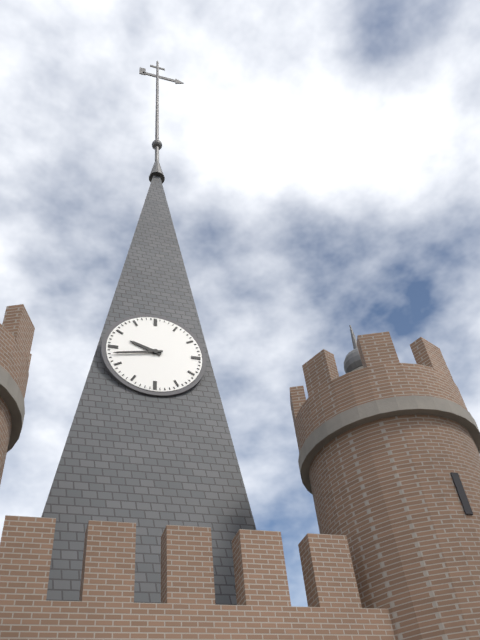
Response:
h=9 m=43
